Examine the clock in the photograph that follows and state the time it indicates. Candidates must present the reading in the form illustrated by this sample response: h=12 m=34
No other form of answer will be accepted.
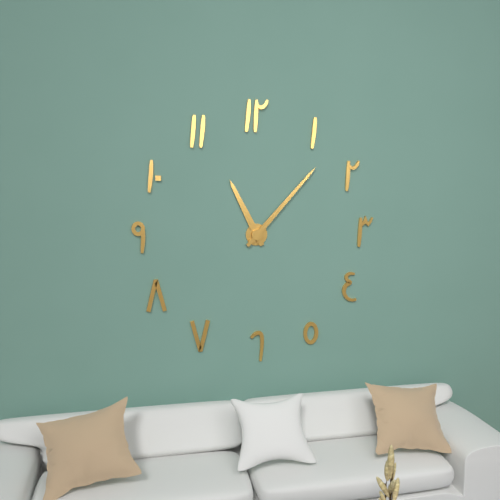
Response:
h=11 m=7
